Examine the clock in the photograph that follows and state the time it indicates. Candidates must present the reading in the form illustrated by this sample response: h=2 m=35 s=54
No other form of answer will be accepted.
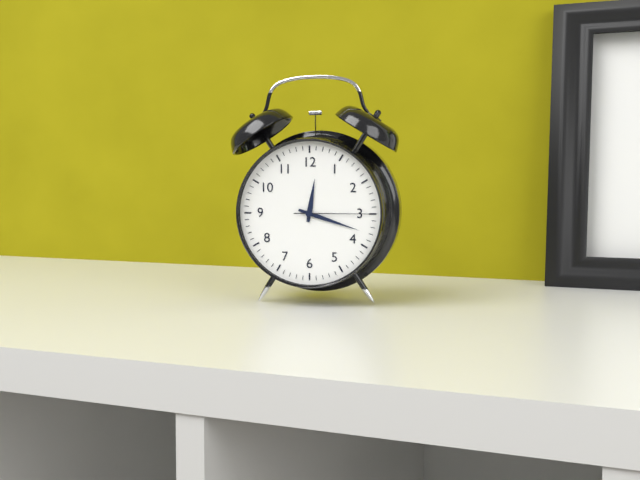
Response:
h=12 m=18 s=15
